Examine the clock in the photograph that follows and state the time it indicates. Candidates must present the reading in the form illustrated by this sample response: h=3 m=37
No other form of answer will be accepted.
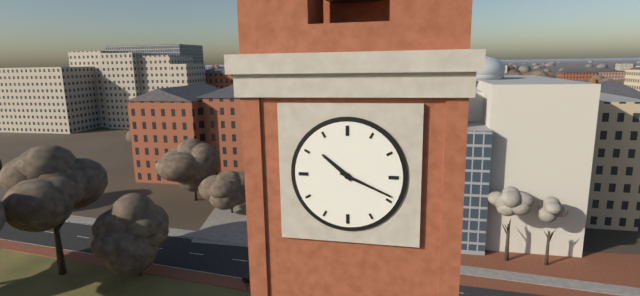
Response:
h=10 m=19
